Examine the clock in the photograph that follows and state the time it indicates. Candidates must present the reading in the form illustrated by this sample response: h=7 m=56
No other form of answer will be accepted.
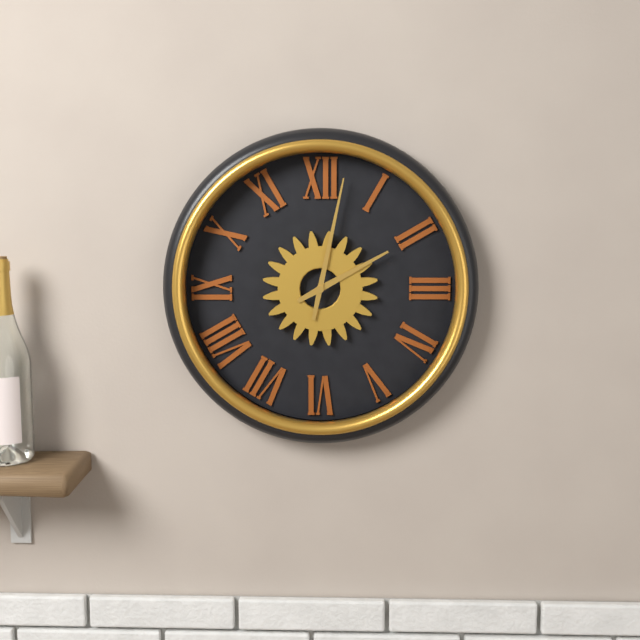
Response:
h=2 m=2
